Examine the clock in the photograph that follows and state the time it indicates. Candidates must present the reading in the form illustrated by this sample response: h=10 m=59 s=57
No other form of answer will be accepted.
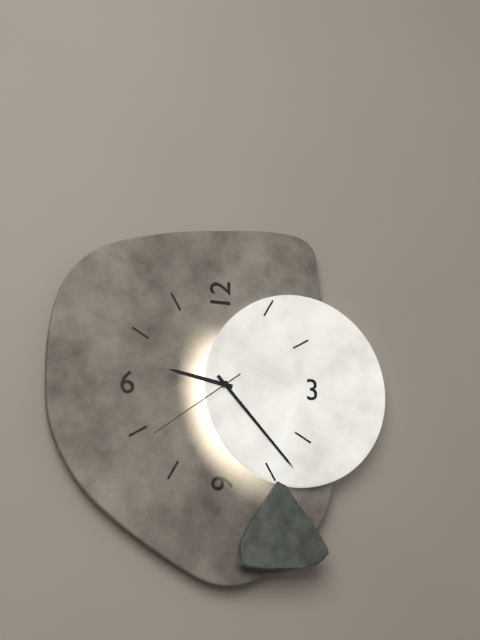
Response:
h=9 m=23 s=39
